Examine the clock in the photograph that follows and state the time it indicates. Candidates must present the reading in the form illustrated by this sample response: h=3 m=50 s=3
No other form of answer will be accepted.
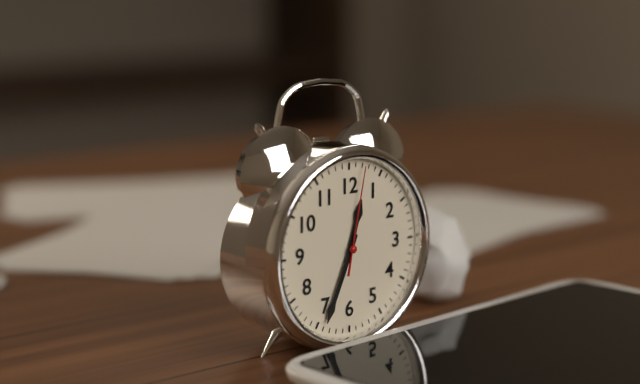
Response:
h=12 m=34 s=2
